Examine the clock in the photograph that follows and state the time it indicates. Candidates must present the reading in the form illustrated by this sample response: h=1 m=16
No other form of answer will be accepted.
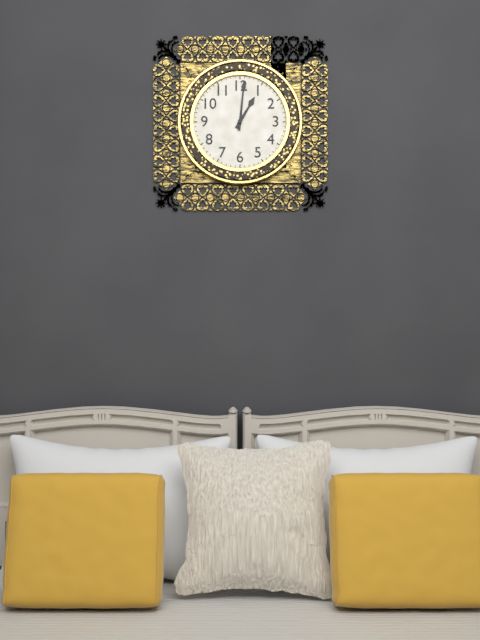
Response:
h=1 m=1
